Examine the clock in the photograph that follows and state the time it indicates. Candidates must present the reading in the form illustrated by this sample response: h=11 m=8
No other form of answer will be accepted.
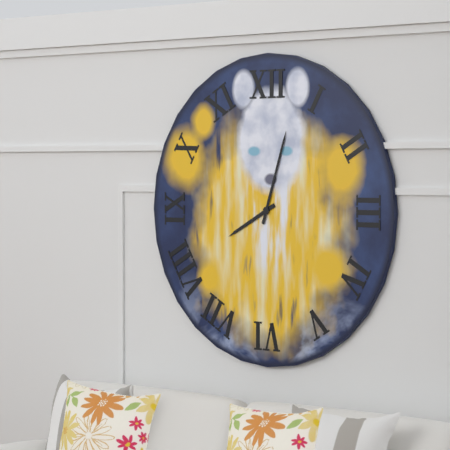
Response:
h=8 m=3
